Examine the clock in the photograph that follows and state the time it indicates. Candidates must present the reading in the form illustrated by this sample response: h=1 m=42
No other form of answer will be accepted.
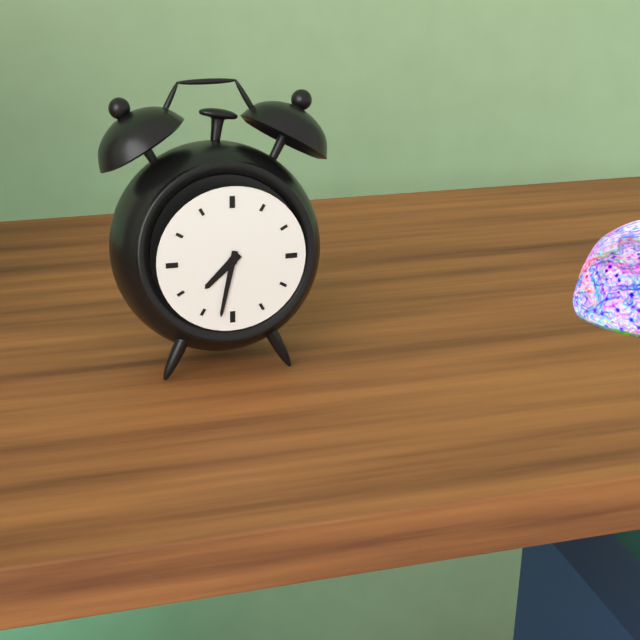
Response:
h=7 m=32
